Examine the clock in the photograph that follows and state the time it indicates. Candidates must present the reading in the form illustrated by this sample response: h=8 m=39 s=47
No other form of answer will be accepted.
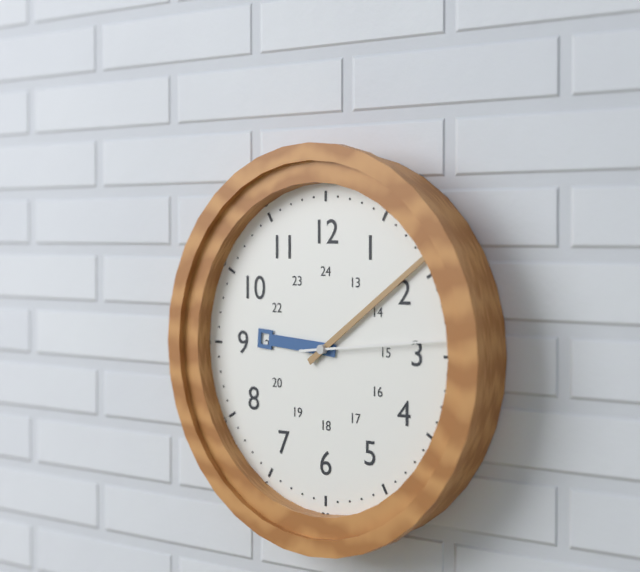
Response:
h=9 m=9 s=14
